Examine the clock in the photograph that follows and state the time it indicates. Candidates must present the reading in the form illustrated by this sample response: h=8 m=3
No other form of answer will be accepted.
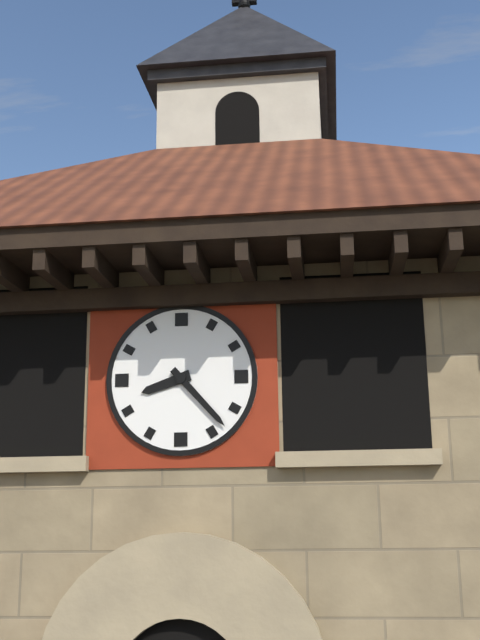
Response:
h=8 m=23
